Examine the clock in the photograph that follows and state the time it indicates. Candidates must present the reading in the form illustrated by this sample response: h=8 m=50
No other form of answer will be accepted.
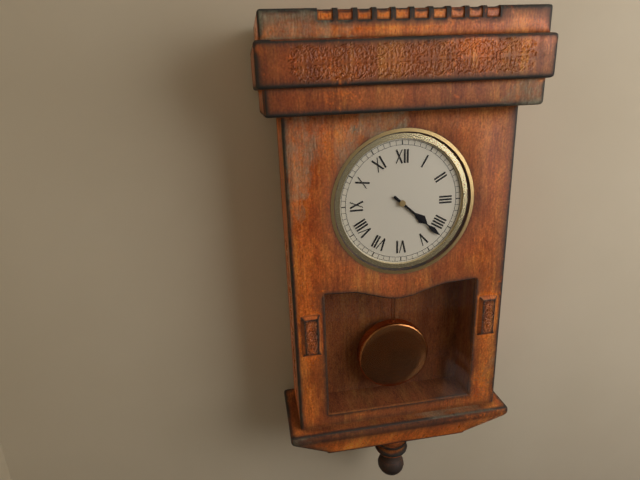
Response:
h=4 m=22
